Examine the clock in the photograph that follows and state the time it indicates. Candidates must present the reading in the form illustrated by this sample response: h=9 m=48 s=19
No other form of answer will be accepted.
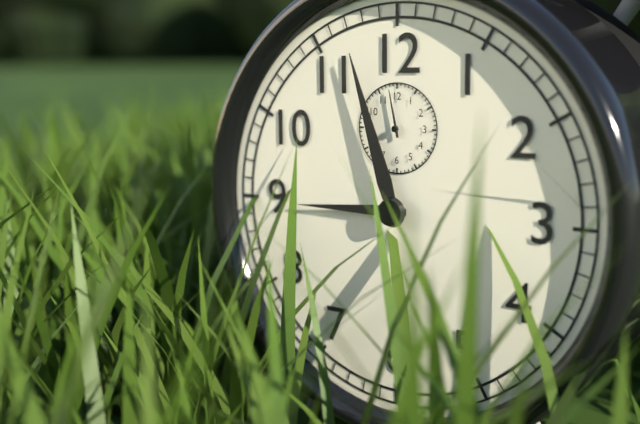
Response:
h=8 m=57 s=58
